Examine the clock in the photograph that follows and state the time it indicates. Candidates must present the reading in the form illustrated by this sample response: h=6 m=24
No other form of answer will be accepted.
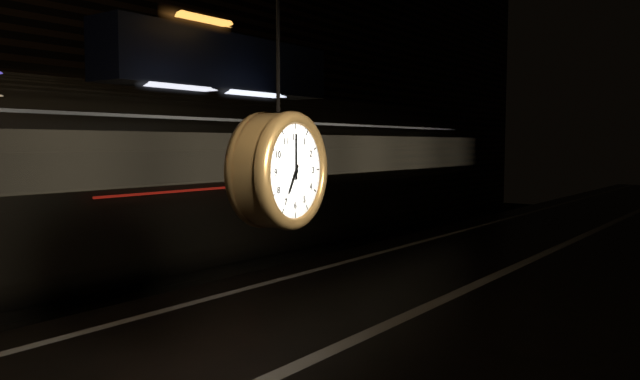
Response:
h=7 m=0
